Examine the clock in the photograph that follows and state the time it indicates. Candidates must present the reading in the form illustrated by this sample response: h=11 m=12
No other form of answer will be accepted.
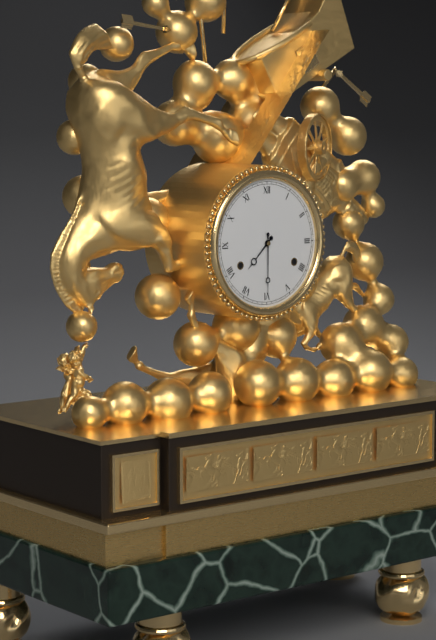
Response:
h=7 m=30
